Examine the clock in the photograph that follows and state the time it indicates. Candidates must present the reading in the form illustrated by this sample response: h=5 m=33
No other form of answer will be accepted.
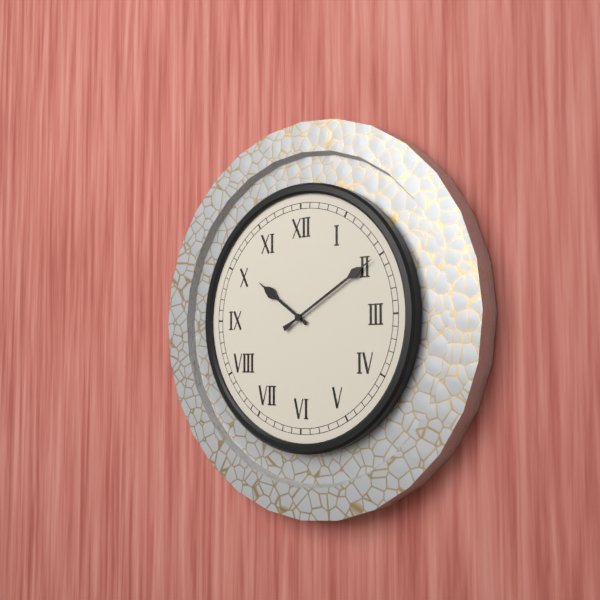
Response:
h=10 m=10
